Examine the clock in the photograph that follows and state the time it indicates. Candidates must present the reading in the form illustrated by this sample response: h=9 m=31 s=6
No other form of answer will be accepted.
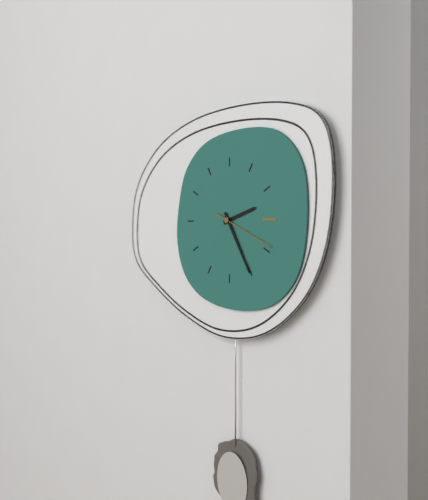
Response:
h=2 m=25 s=19
